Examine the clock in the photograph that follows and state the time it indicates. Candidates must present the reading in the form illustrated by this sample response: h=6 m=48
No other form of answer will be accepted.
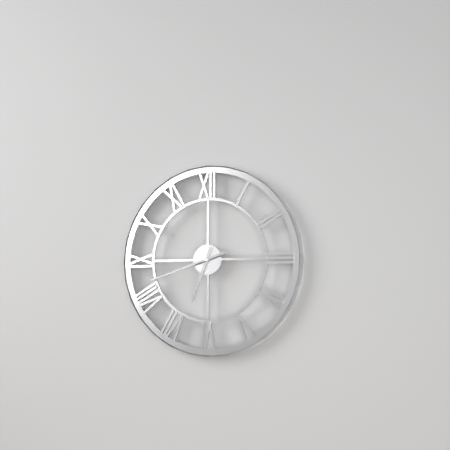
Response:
h=6 m=42
